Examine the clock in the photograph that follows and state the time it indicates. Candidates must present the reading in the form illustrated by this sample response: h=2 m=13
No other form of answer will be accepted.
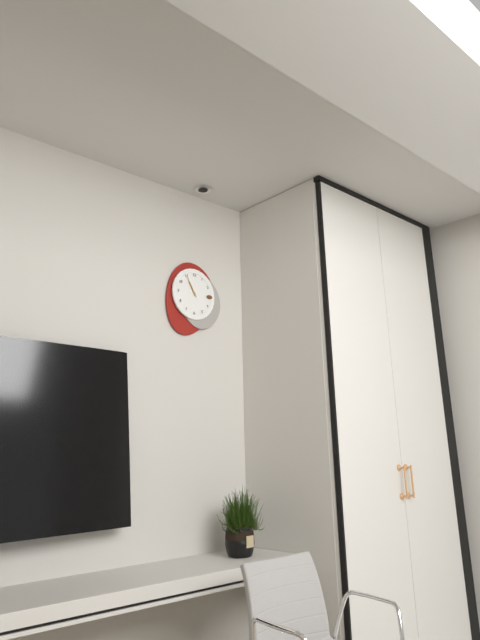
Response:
h=10 m=55
